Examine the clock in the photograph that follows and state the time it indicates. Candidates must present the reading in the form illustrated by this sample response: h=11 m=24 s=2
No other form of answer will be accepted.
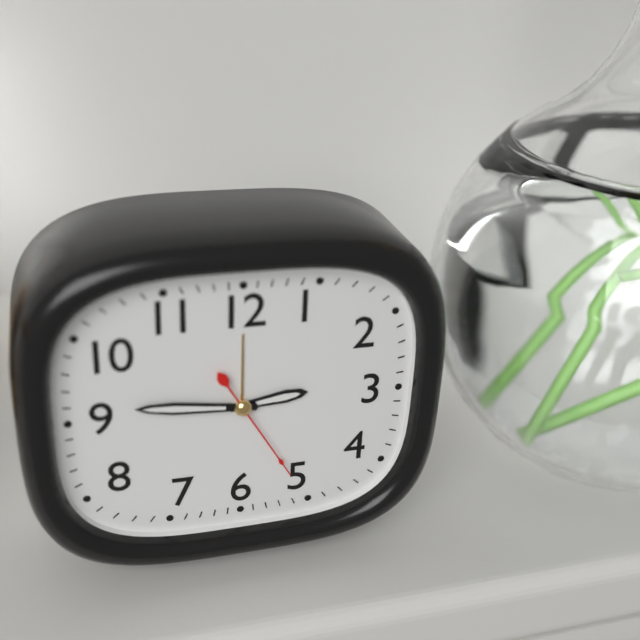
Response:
h=2 m=46 s=25
